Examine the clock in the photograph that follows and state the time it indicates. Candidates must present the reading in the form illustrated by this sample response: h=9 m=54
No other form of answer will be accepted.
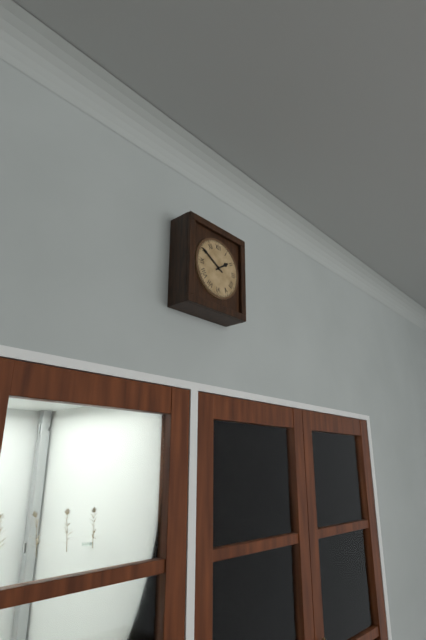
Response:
h=1 m=50
